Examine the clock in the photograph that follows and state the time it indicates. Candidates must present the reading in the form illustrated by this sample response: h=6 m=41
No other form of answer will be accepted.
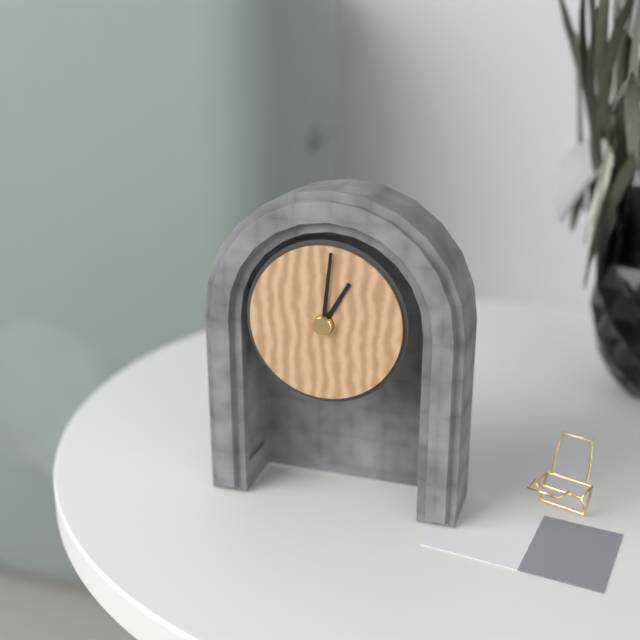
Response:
h=1 m=1
